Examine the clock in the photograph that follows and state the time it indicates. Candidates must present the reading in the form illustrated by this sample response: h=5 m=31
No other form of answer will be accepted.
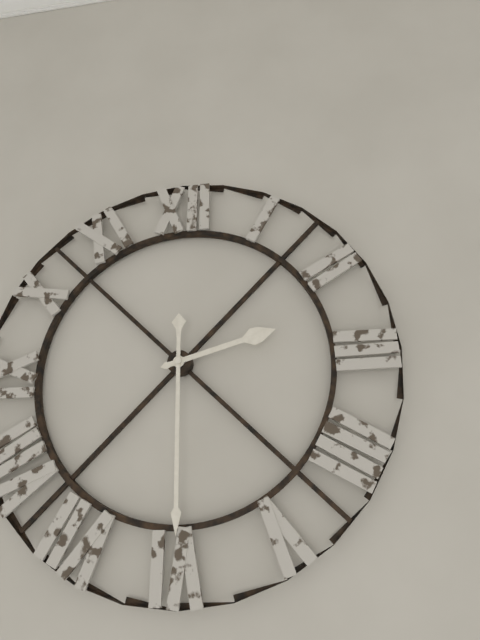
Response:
h=2 m=30
